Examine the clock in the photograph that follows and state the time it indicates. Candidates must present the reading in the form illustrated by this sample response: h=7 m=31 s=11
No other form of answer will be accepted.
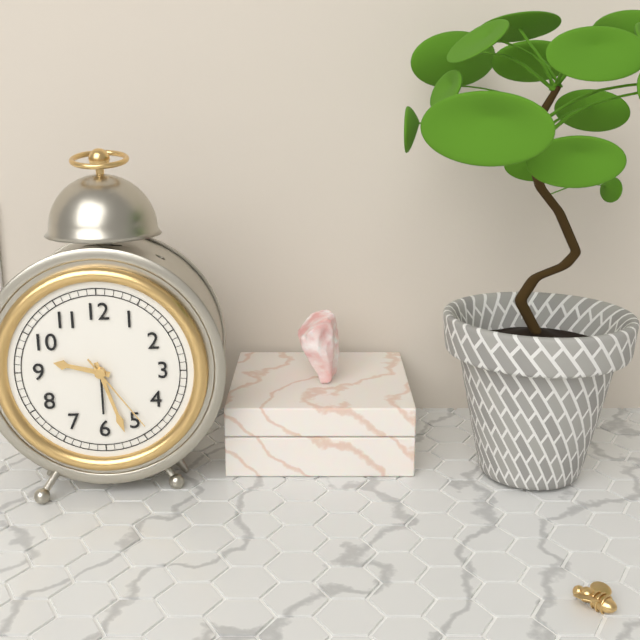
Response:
h=9 m=27 s=24
